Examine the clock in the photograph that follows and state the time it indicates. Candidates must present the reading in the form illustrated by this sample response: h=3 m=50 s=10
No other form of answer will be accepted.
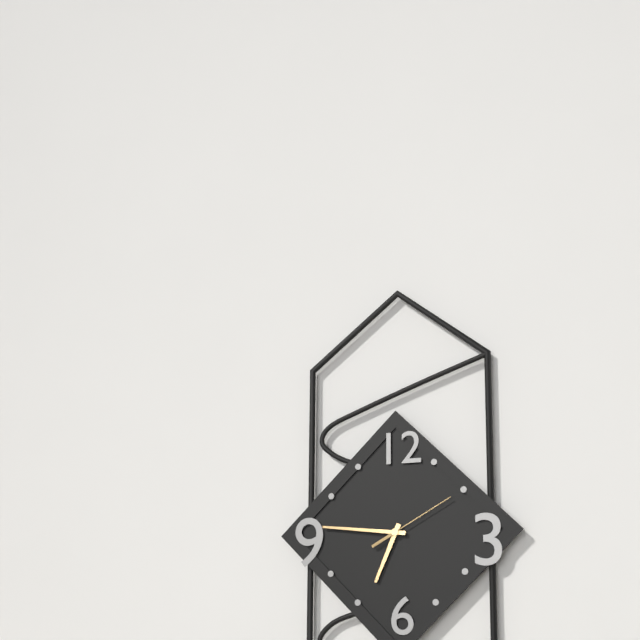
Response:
h=6 m=46 s=10
